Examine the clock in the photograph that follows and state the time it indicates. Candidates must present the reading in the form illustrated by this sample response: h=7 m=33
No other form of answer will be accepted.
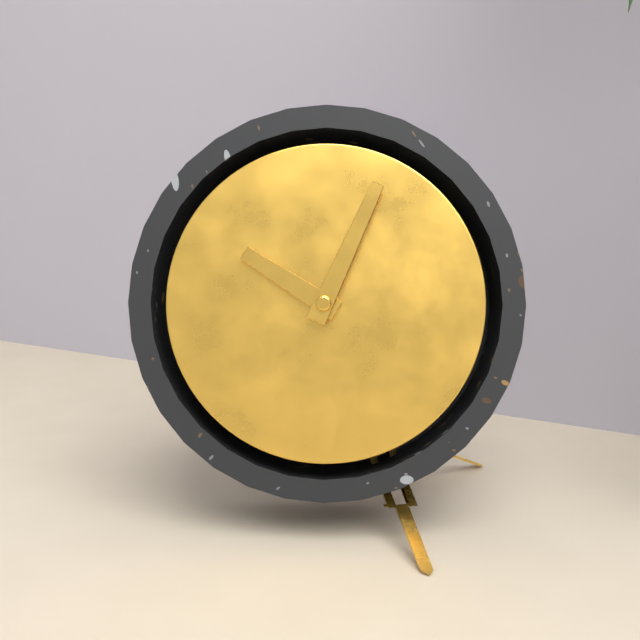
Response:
h=10 m=4
